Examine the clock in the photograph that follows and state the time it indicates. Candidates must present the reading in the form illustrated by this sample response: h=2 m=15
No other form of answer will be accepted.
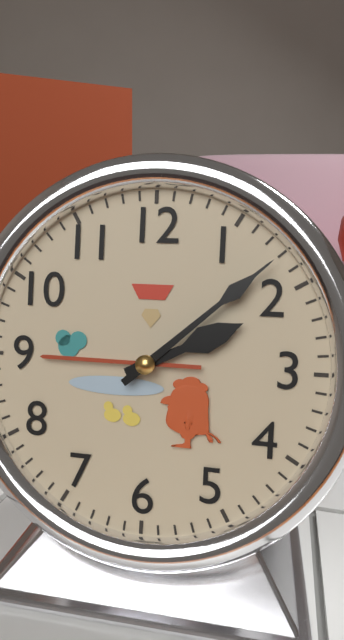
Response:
h=2 m=8
